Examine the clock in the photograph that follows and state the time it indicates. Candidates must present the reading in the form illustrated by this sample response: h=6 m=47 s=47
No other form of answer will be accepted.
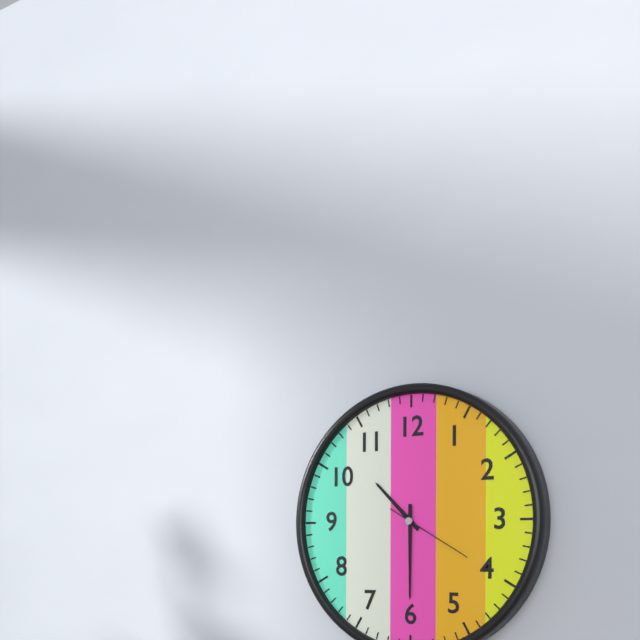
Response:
h=10 m=30 s=20
